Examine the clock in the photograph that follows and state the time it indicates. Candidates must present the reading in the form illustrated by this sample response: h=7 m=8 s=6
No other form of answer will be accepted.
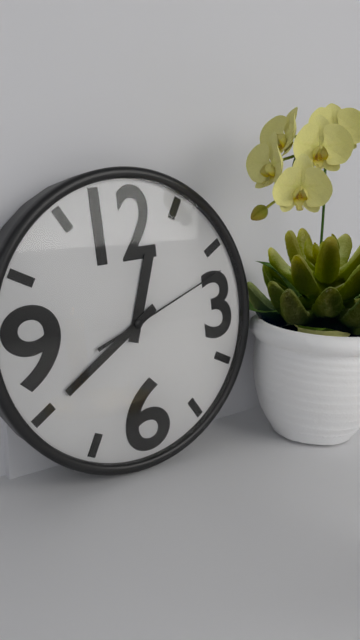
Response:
h=12 m=40 s=12
